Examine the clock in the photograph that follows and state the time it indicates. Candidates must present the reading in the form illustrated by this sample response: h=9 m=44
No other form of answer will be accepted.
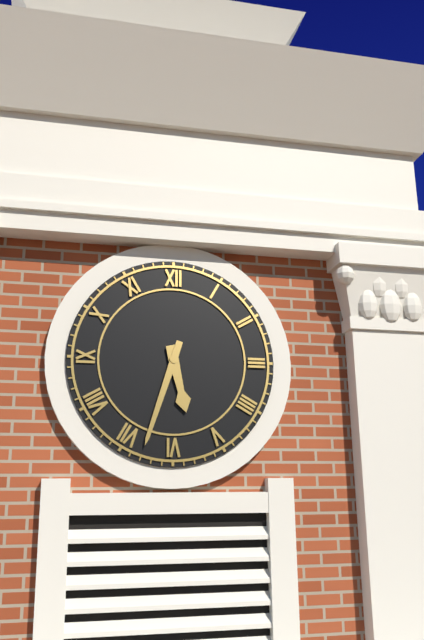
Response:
h=5 m=33
